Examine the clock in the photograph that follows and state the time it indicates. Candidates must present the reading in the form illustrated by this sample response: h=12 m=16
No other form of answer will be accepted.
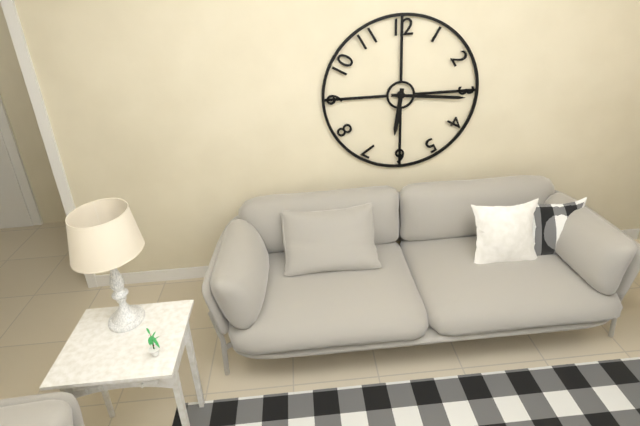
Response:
h=6 m=16
